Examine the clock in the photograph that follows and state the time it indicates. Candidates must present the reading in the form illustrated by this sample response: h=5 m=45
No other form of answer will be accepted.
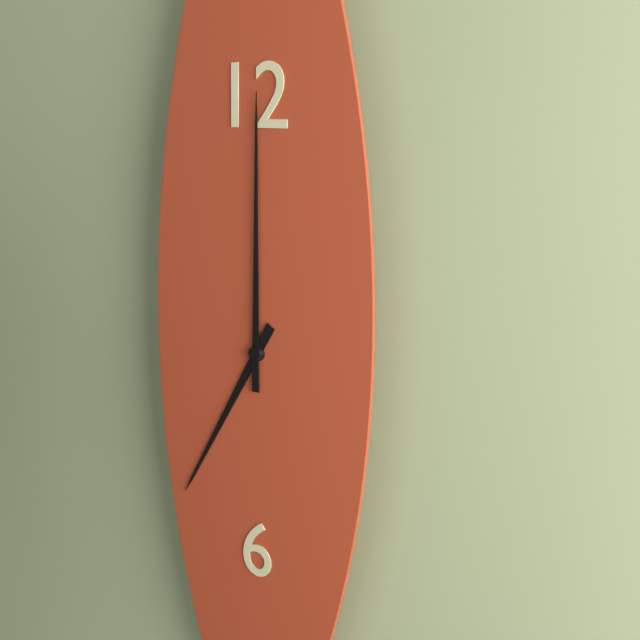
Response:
h=7 m=0
